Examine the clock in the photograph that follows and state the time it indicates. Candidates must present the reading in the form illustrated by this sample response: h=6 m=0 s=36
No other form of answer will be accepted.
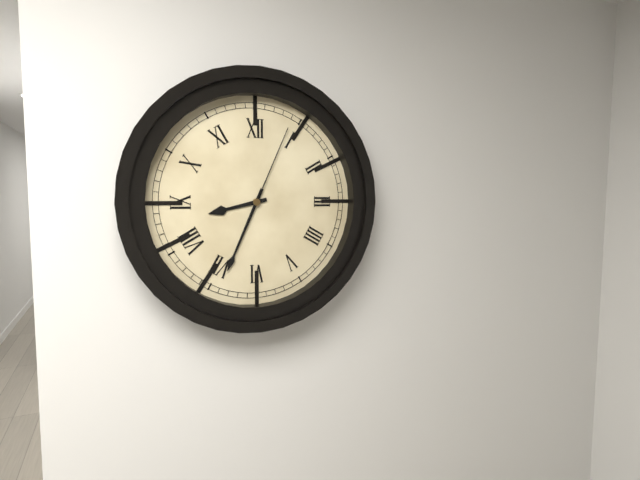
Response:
h=8 m=34 s=4
